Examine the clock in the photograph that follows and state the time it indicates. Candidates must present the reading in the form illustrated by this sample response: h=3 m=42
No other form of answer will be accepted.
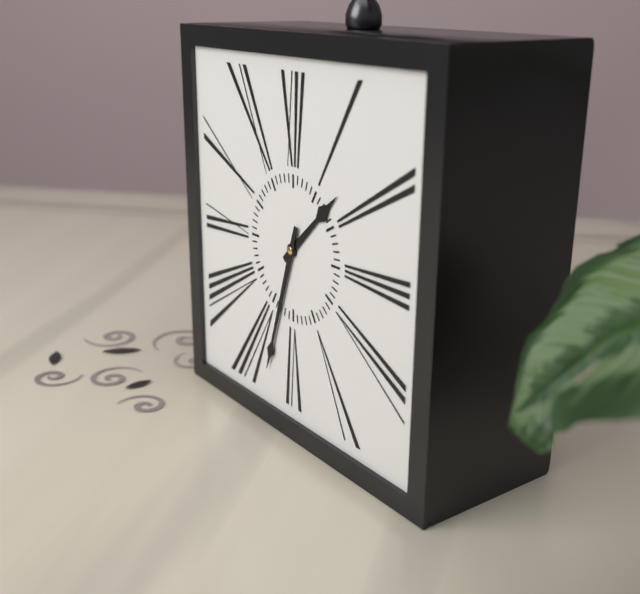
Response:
h=1 m=33
